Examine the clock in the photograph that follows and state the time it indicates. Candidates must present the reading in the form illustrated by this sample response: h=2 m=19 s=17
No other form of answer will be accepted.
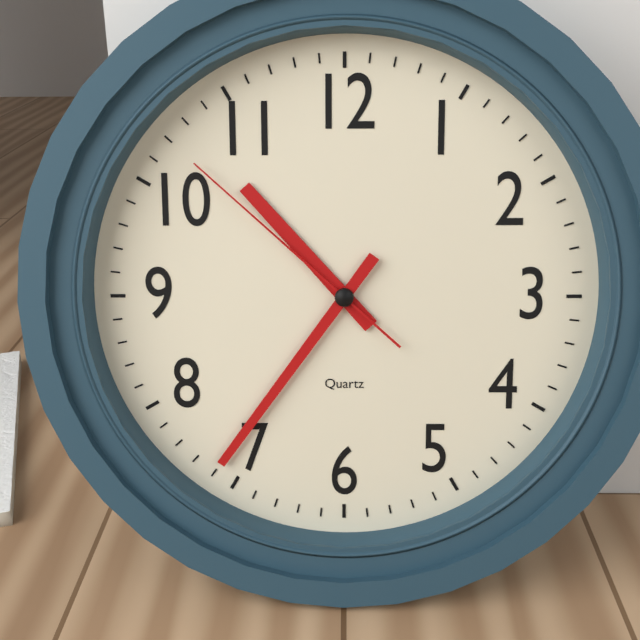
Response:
h=10 m=36 s=52
